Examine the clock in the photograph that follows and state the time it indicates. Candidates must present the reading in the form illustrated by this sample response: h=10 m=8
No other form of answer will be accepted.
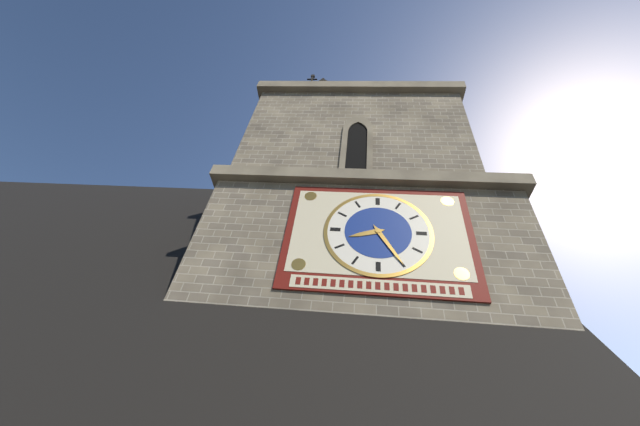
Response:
h=8 m=25
